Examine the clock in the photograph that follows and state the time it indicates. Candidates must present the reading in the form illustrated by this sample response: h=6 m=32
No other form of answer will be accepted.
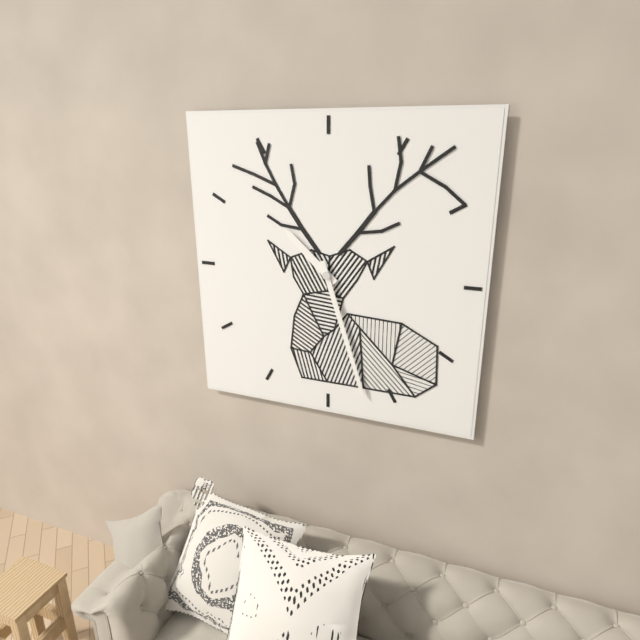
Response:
h=10 m=27
